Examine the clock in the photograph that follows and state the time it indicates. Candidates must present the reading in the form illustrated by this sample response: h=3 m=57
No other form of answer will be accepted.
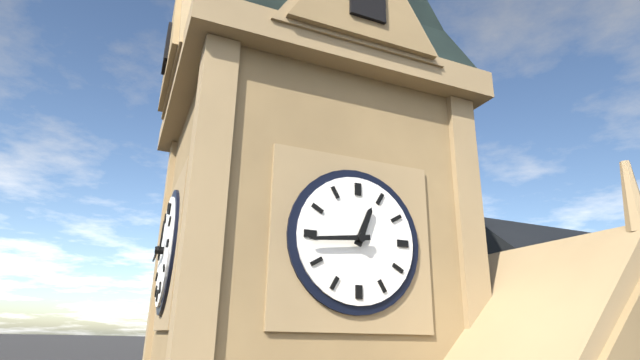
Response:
h=12 m=44
